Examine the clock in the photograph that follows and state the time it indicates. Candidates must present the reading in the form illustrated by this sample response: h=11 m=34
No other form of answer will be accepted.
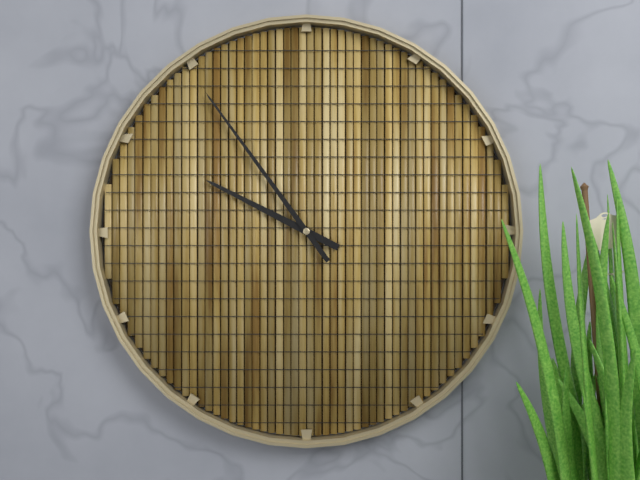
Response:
h=9 m=54
